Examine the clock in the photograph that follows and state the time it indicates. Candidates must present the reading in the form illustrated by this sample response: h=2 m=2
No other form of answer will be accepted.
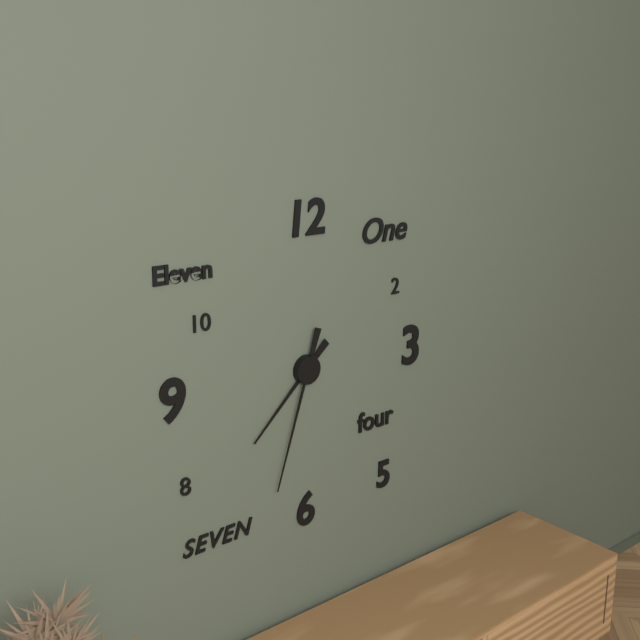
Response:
h=7 m=33
